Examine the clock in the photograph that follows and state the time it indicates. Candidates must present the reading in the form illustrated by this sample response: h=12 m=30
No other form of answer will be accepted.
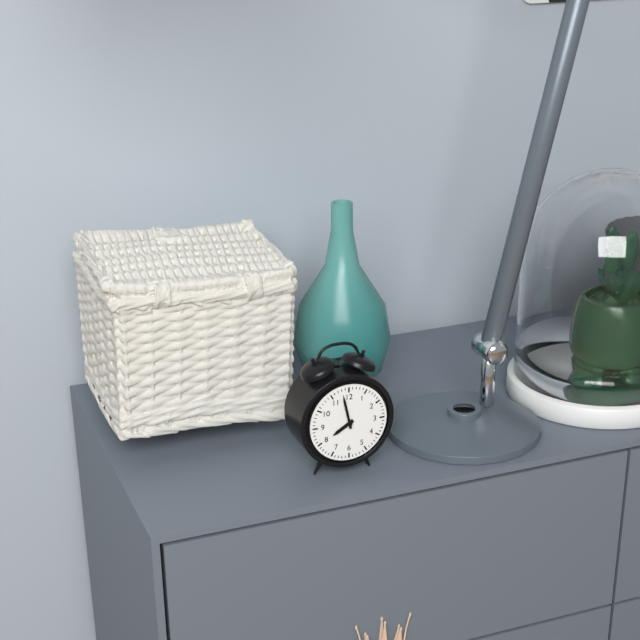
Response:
h=7 m=58
